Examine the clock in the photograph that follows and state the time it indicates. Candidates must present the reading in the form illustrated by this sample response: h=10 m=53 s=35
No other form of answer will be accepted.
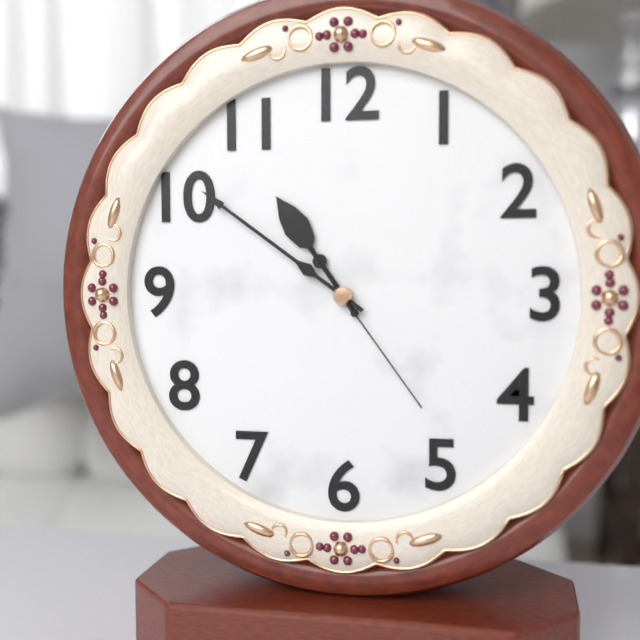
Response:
h=10 m=51 s=24
